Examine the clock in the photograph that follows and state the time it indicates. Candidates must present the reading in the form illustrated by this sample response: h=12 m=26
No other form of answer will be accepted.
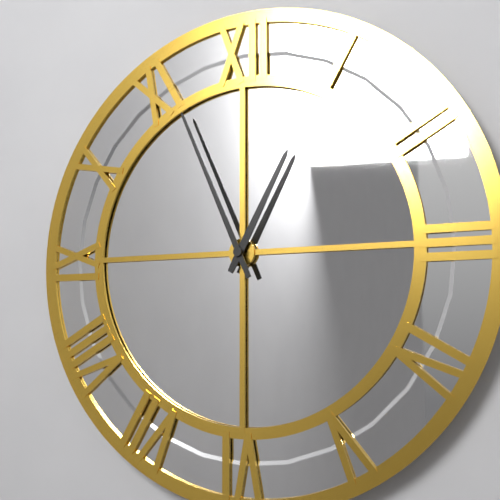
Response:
h=12 m=56
